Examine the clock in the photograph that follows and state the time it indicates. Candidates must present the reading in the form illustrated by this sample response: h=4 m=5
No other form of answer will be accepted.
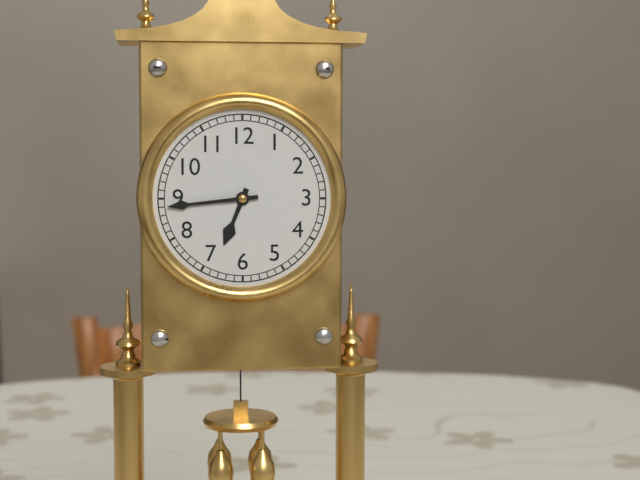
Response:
h=6 m=44
